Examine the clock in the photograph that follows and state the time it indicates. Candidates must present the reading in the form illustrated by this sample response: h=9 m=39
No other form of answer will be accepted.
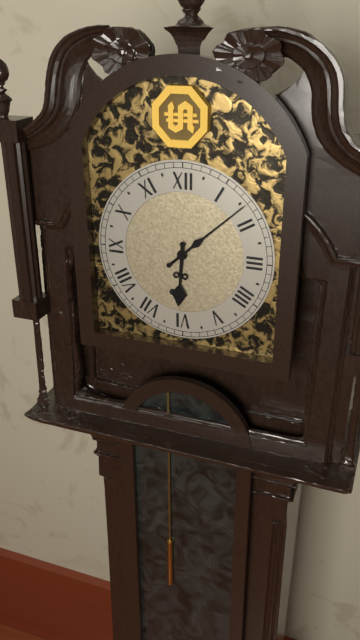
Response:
h=6 m=8
